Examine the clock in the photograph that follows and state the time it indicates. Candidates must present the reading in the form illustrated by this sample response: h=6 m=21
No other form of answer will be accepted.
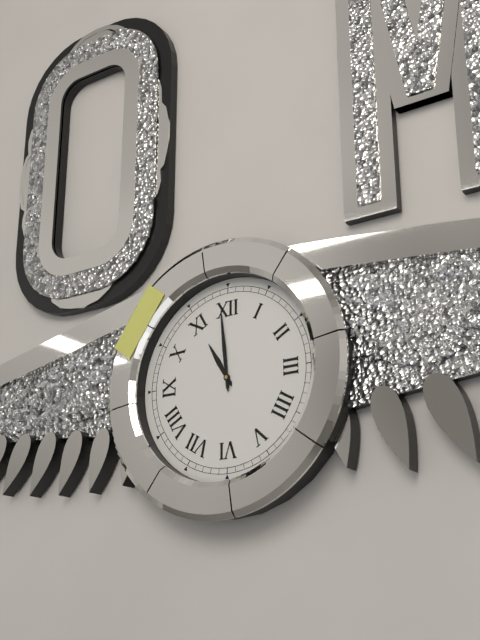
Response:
h=10 m=59
